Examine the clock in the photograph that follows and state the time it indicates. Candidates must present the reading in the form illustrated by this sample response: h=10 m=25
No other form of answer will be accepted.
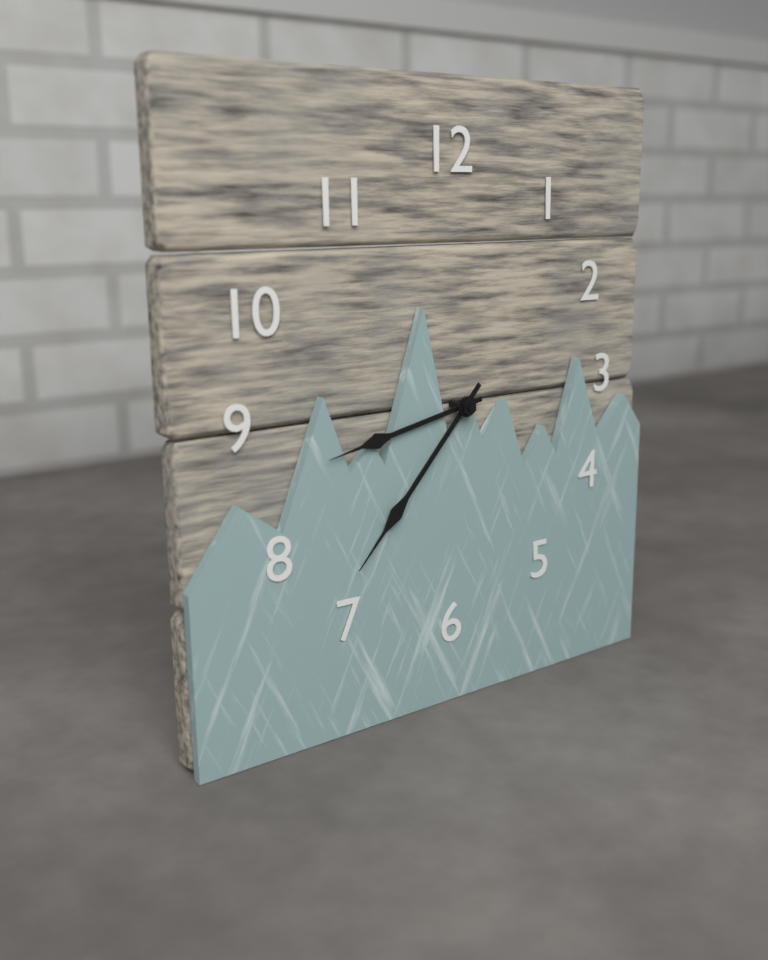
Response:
h=8 m=37
